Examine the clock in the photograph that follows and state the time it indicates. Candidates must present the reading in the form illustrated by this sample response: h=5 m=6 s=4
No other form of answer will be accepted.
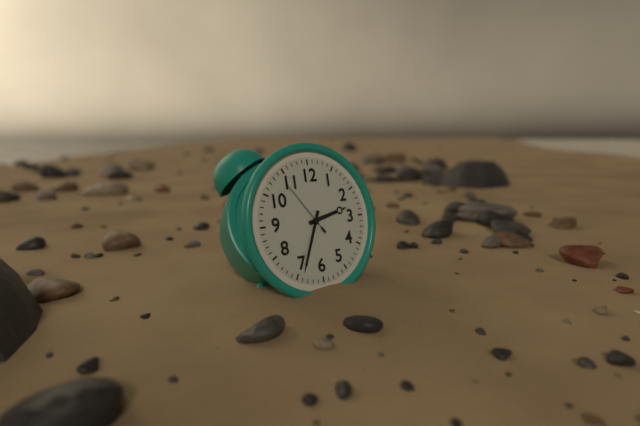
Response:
h=2 m=34 s=54
